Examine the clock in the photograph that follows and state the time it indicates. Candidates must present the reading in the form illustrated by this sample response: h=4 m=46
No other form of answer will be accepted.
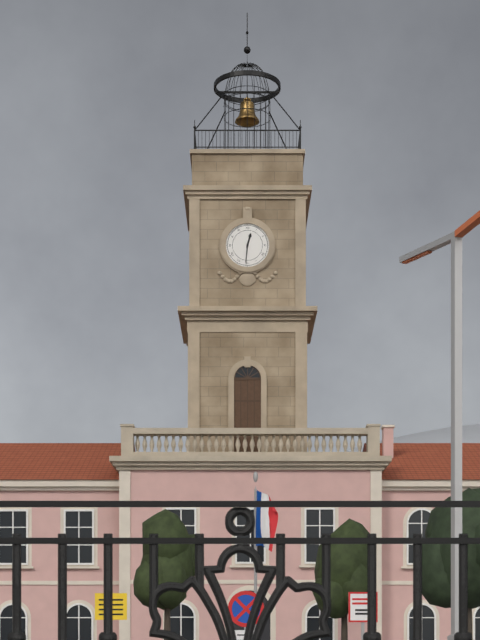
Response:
h=12 m=31
